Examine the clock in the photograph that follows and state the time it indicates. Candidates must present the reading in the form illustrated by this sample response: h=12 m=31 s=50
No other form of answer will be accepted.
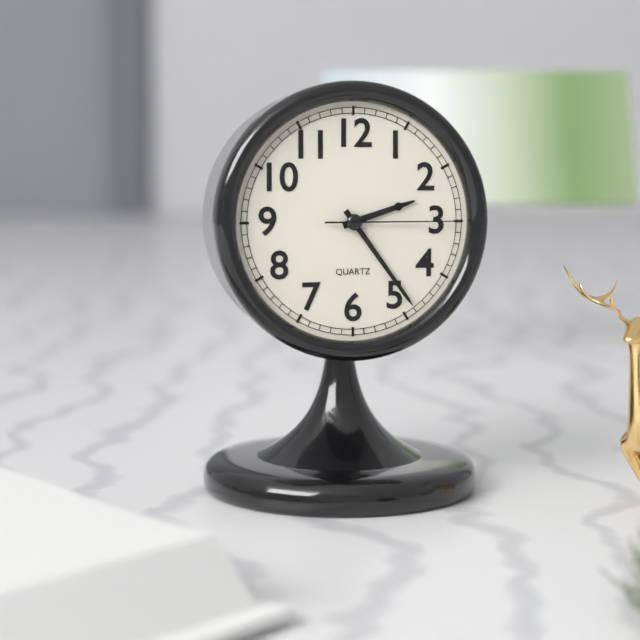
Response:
h=2 m=24 s=15
